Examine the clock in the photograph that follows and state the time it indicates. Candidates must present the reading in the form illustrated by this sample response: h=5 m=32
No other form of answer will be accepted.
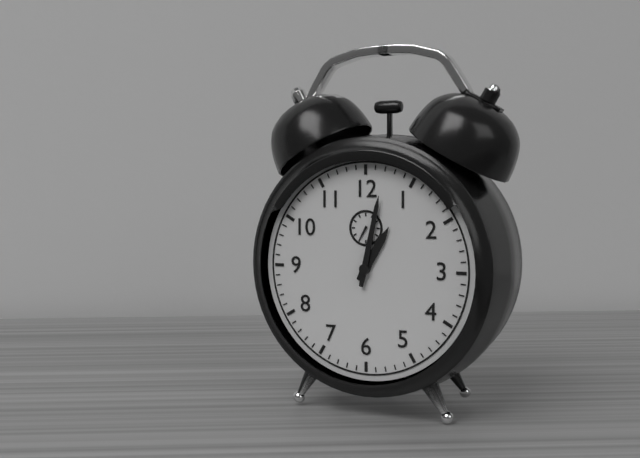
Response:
h=1 m=2
